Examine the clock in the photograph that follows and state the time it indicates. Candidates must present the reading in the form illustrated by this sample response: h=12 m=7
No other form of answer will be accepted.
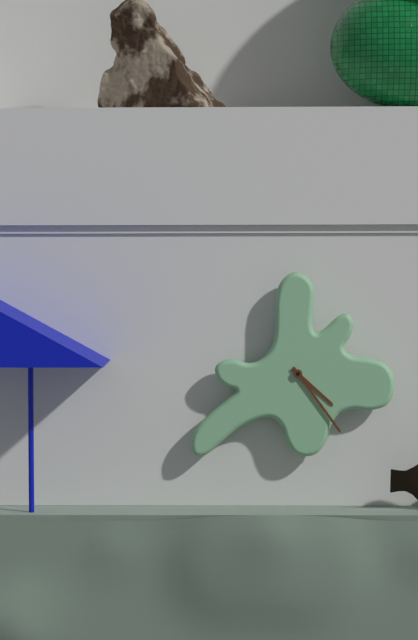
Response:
h=4 m=24
